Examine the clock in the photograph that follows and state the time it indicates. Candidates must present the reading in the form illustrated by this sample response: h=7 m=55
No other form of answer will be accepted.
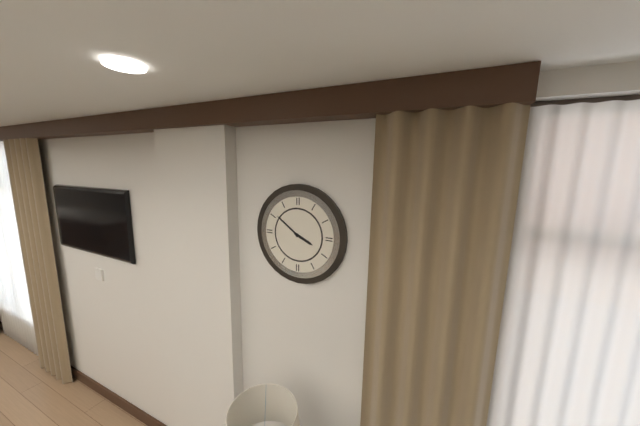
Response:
h=3 m=51
